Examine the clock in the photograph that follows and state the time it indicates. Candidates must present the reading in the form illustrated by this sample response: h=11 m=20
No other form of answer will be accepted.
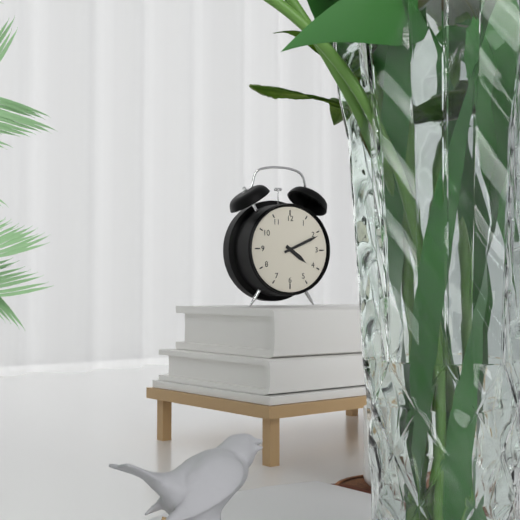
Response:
h=4 m=11
